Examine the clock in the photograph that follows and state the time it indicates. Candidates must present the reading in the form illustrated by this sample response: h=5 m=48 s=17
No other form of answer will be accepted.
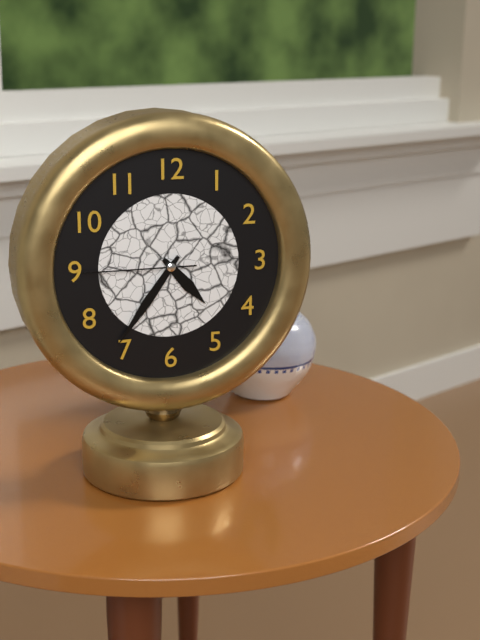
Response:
h=4 m=36 s=45
